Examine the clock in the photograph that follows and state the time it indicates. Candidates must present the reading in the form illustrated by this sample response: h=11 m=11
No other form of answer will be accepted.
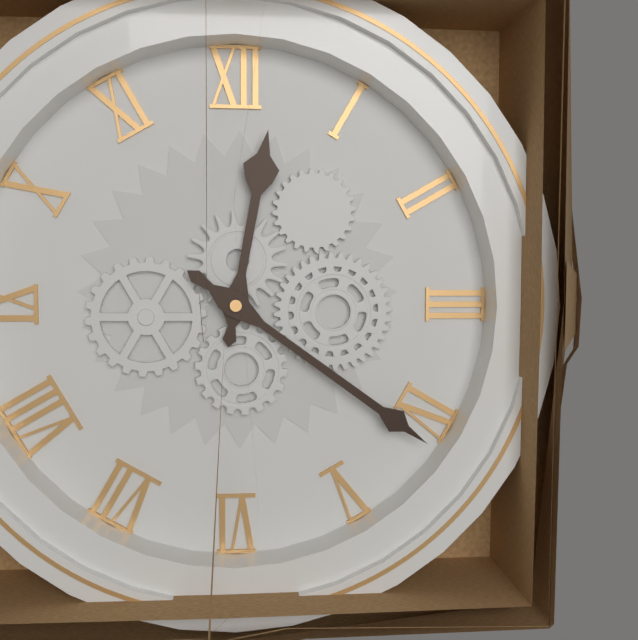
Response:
h=12 m=21
